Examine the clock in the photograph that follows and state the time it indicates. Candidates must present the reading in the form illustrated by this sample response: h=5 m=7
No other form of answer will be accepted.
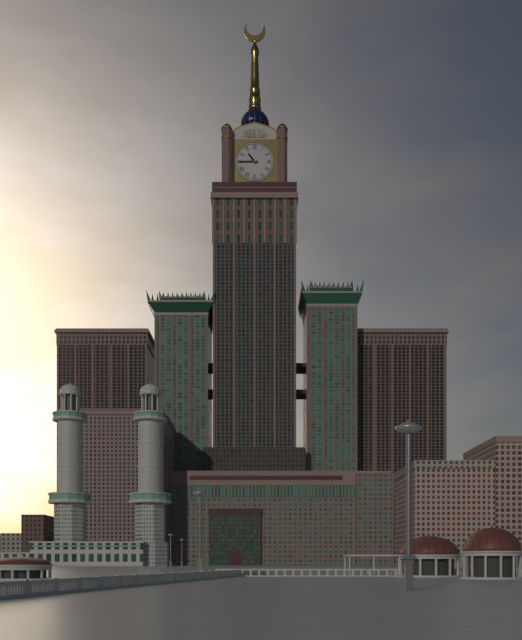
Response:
h=10 m=45
